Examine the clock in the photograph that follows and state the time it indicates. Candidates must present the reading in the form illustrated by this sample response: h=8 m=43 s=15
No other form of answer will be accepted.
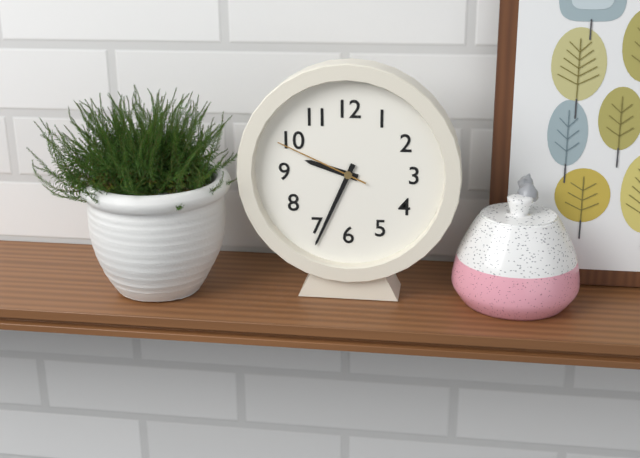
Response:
h=9 m=34 s=49
